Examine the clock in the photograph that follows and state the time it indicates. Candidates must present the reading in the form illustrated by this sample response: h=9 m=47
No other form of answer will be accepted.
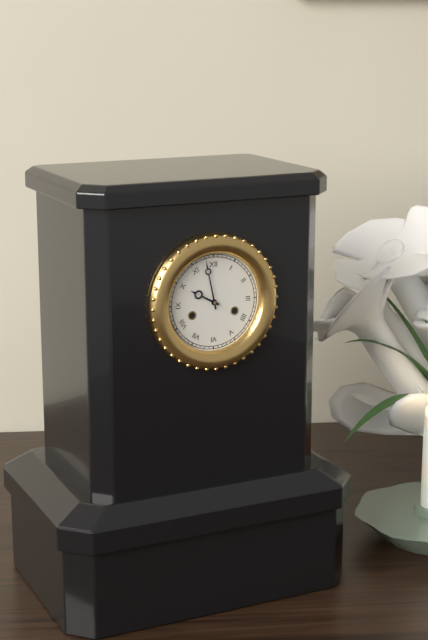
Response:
h=9 m=58
